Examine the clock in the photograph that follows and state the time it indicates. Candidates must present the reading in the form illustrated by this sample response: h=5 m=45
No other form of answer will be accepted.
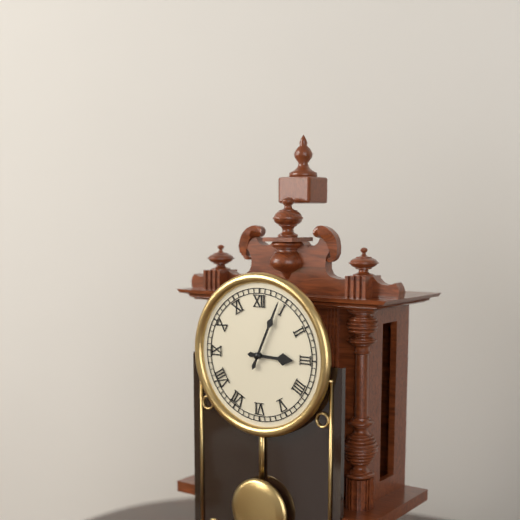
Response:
h=3 m=4
